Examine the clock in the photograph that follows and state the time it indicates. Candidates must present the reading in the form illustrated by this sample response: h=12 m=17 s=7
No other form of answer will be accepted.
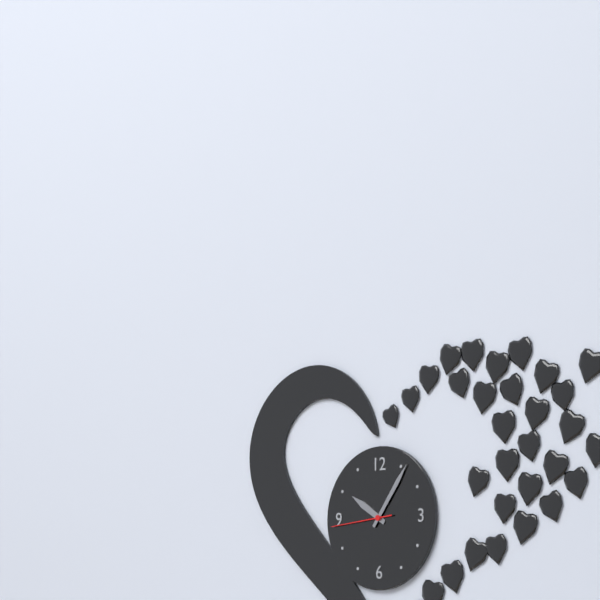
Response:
h=10 m=6 s=44
